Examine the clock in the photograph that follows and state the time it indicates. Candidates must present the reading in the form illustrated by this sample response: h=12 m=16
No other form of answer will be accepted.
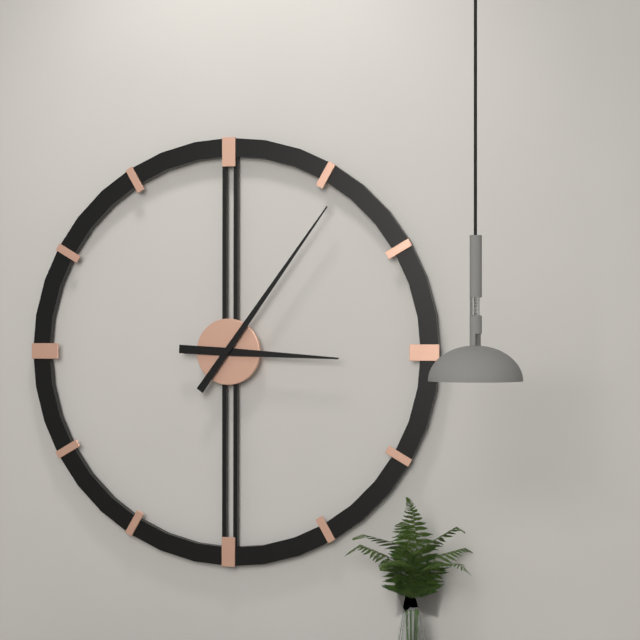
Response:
h=3 m=6
